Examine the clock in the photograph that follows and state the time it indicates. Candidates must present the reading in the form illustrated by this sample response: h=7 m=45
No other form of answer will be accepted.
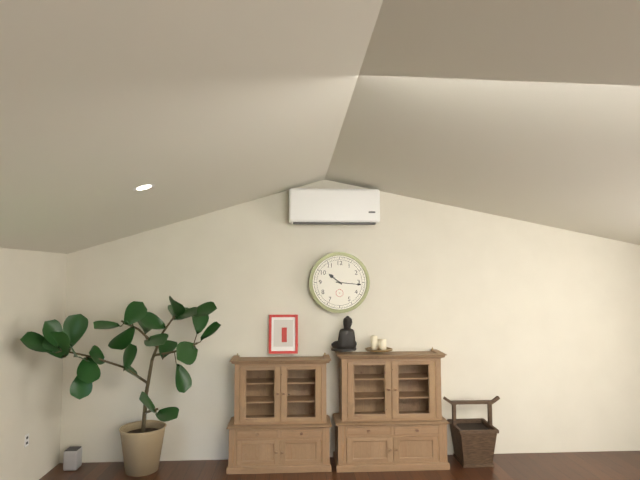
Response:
h=10 m=16
